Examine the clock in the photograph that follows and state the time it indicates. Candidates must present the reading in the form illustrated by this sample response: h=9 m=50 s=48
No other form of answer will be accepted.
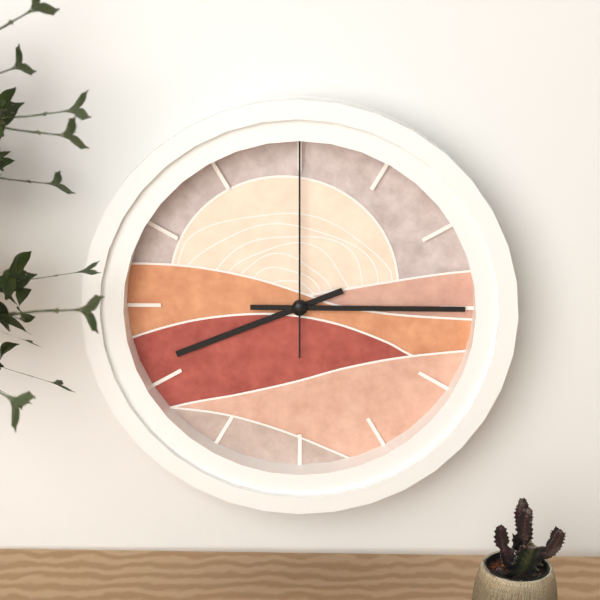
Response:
h=8 m=15 s=0
